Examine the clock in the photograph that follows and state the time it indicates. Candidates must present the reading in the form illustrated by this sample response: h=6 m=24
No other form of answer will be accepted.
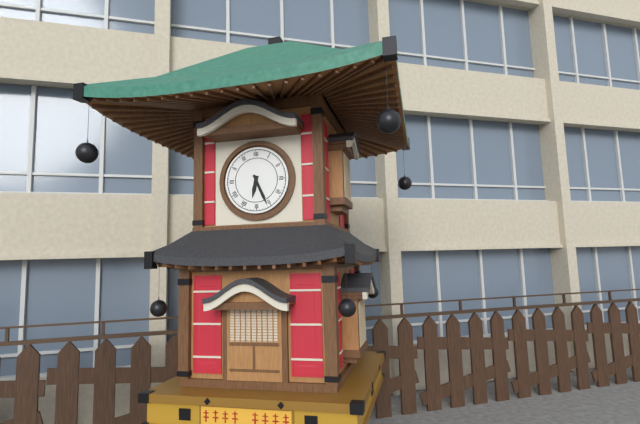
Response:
h=6 m=26
